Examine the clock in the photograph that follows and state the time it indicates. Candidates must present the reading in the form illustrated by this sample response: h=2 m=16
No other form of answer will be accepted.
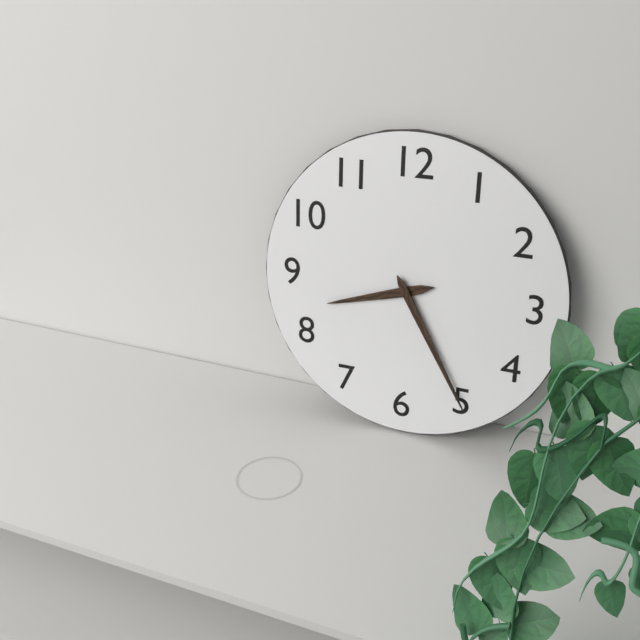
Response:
h=8 m=25
